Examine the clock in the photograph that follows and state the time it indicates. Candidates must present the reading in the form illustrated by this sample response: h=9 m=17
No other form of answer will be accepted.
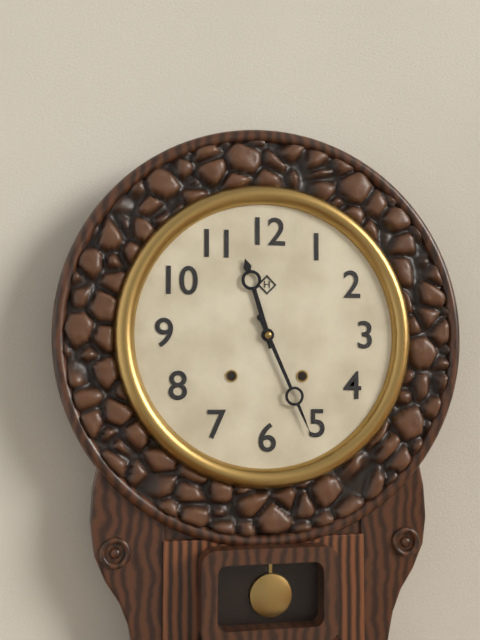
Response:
h=11 m=26
